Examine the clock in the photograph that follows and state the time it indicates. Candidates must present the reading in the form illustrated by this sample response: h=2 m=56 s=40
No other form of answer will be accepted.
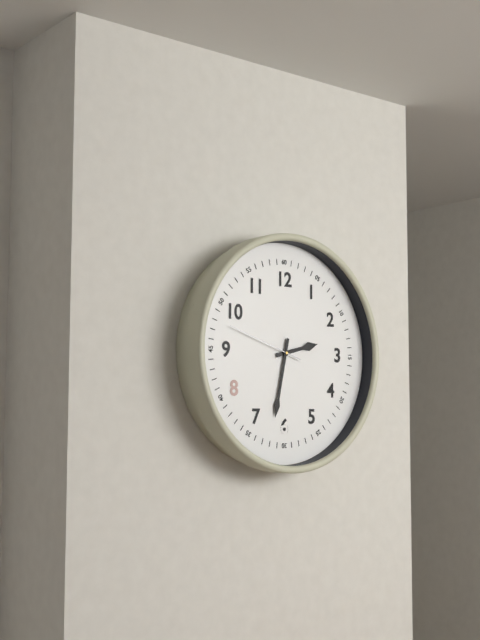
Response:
h=2 m=32 s=48
